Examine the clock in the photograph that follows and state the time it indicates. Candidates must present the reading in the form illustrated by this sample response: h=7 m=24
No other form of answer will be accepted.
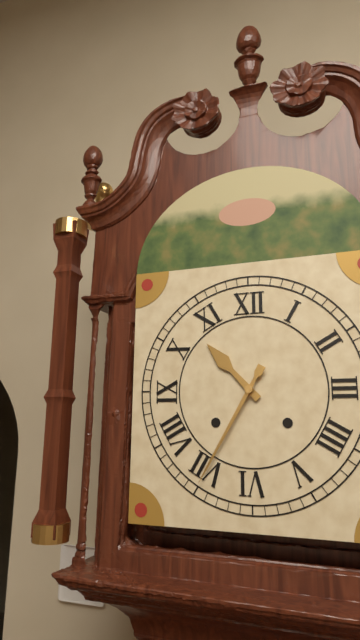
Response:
h=10 m=35
